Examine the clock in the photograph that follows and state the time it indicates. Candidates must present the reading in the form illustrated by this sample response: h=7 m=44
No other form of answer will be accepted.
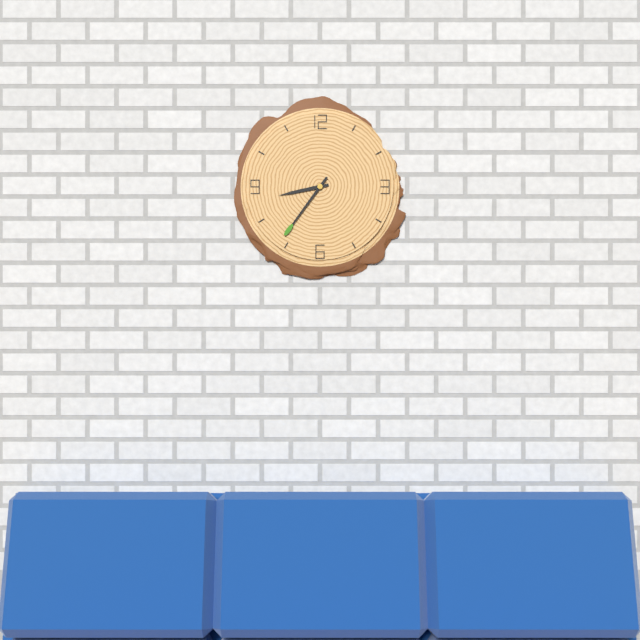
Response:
h=8 m=36
